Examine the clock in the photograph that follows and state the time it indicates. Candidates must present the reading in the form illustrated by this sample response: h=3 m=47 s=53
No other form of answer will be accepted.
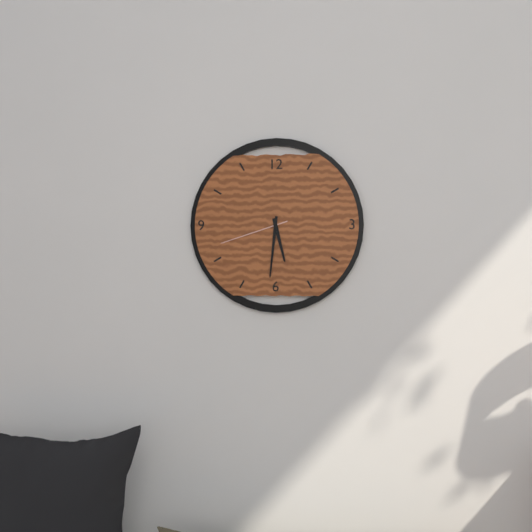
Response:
h=5 m=31 s=42
